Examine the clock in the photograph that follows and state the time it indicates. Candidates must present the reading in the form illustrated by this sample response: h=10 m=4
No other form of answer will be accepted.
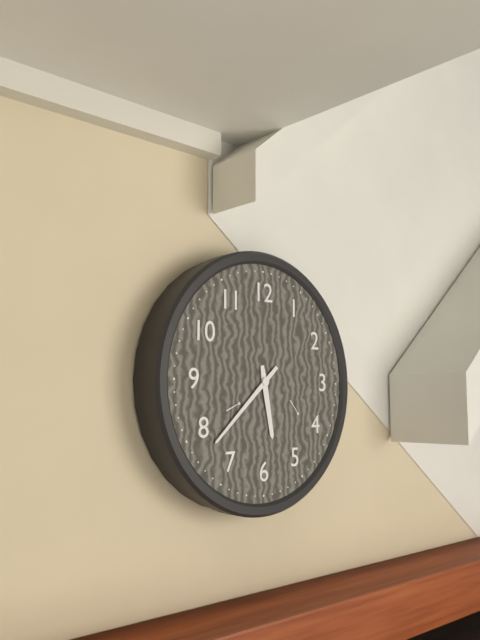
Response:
h=5 m=38
